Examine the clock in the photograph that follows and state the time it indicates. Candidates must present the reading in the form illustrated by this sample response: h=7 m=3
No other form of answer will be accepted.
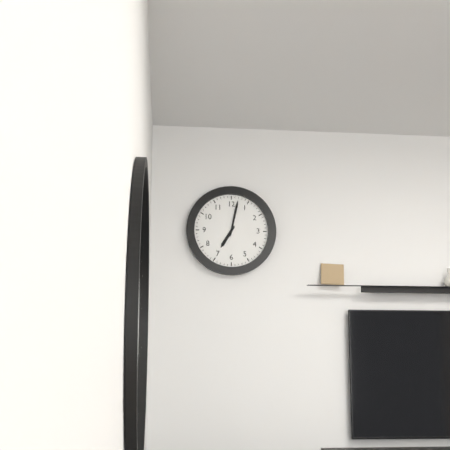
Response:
h=7 m=2
